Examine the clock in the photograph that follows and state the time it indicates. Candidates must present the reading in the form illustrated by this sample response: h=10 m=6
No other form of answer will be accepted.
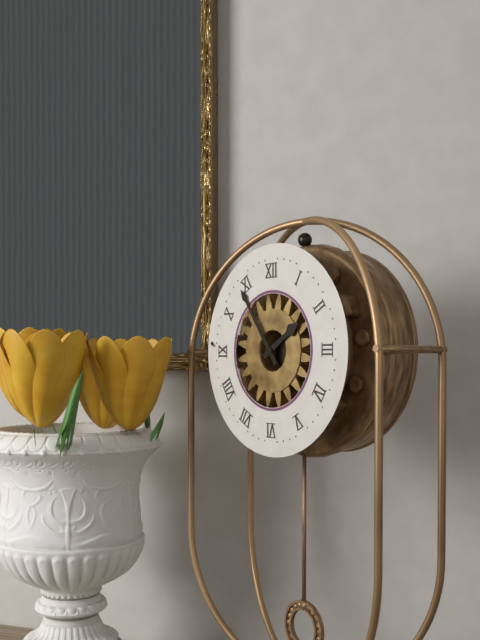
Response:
h=1 m=54
